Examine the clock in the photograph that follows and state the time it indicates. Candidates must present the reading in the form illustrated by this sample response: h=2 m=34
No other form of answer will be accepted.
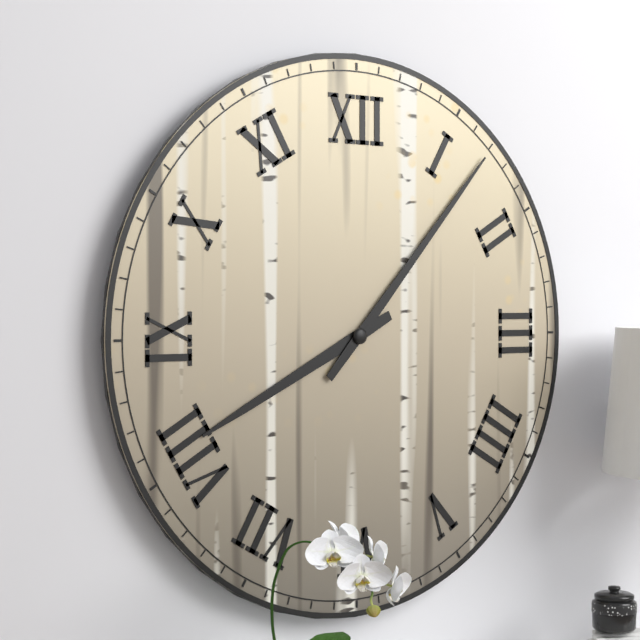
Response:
h=8 m=7
